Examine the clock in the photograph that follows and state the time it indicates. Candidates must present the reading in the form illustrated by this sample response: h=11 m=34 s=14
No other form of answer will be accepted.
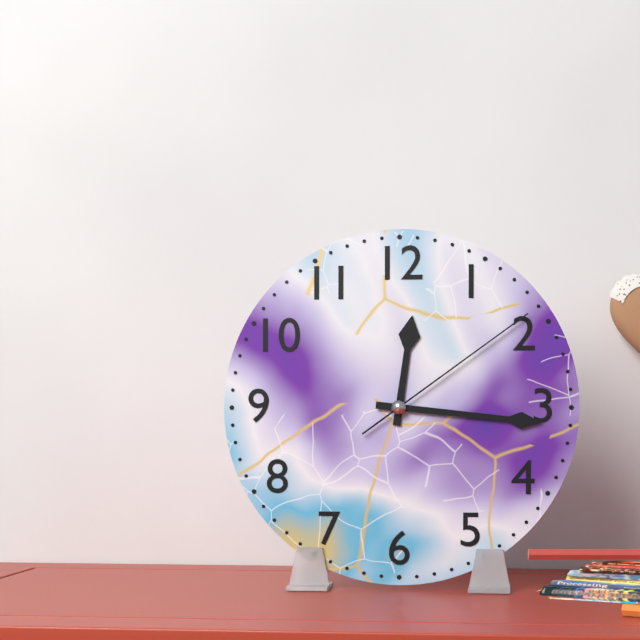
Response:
h=12 m=16 s=9
